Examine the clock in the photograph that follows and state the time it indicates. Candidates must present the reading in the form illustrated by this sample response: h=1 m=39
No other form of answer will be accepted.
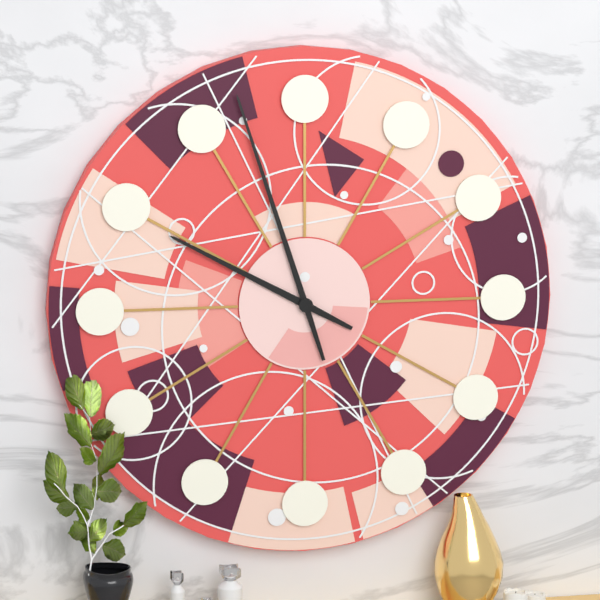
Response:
h=9 m=57
